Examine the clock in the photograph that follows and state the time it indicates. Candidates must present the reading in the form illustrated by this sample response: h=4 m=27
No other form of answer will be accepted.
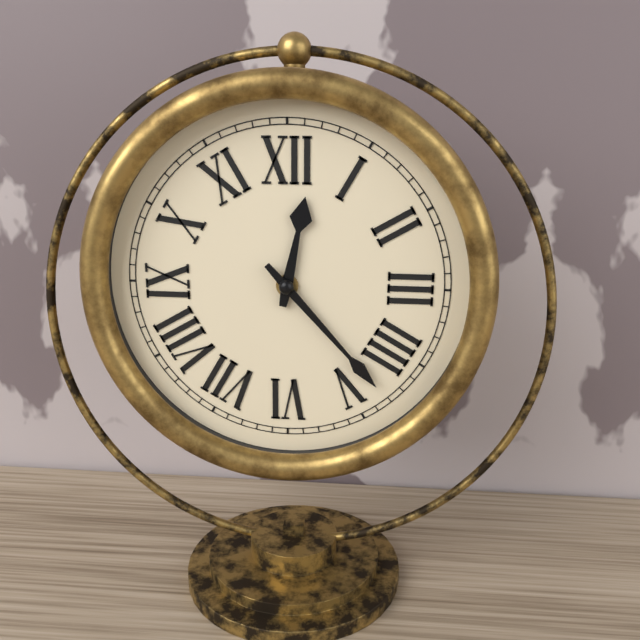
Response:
h=12 m=23
